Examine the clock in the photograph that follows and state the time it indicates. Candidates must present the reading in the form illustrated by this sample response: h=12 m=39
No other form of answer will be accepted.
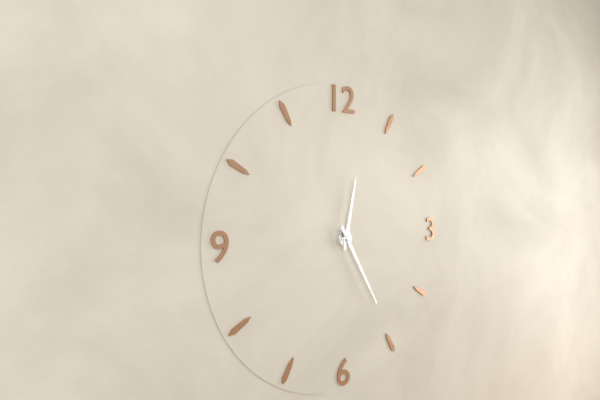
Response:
h=12 m=25
